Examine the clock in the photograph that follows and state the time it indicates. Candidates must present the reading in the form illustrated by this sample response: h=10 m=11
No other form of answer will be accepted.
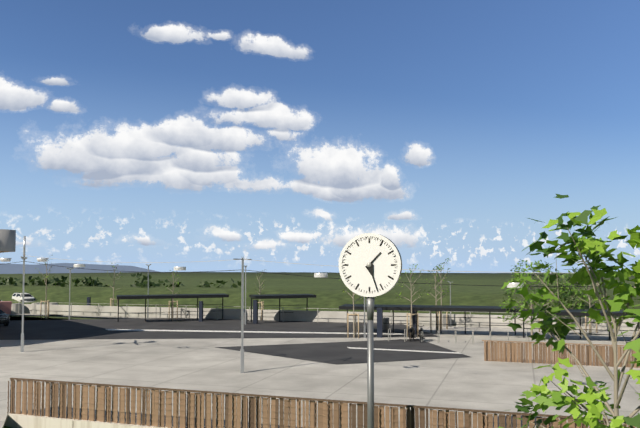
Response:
h=1 m=27
